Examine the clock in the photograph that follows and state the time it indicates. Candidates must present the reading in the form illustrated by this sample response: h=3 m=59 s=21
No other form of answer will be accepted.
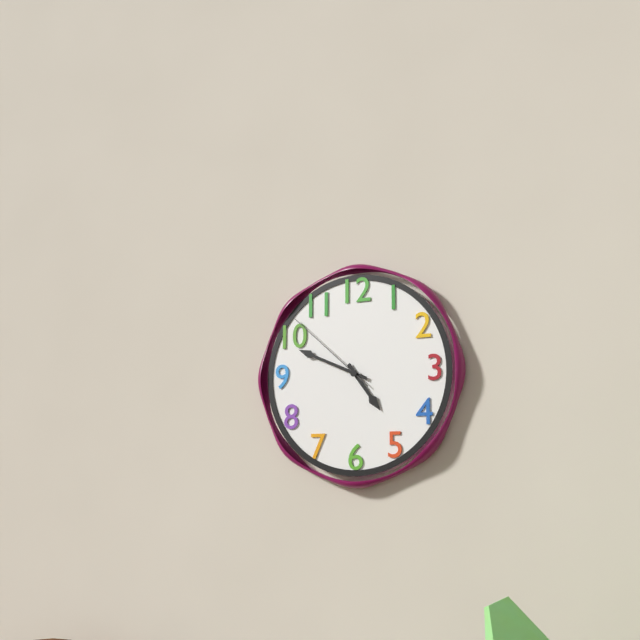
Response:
h=4 m=49 s=52
